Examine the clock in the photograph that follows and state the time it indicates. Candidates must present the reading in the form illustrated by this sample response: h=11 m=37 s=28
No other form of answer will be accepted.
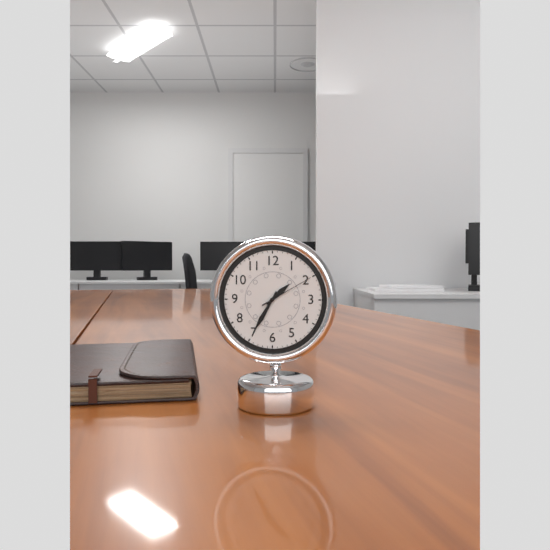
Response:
h=1 m=35 s=10
